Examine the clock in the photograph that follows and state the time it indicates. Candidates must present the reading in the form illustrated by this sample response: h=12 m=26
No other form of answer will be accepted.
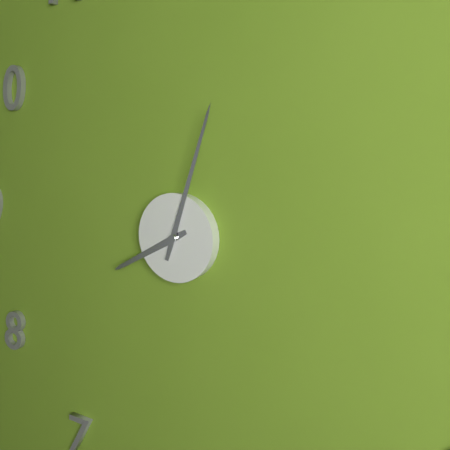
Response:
h=8 m=3
